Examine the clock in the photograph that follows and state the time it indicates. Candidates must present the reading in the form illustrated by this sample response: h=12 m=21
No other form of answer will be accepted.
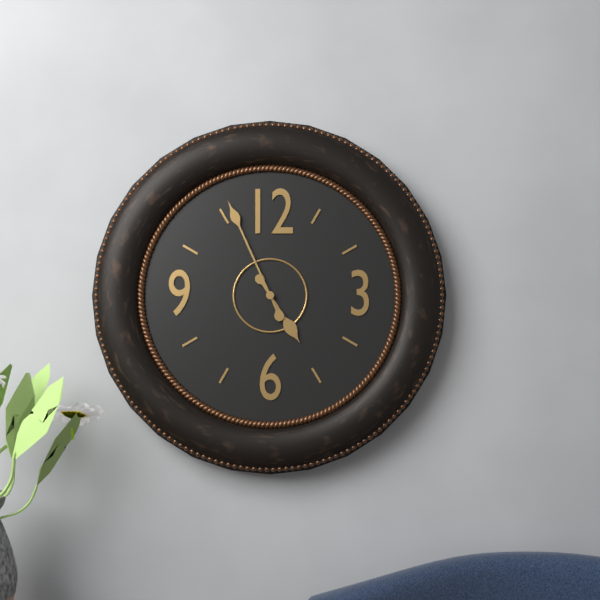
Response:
h=4 m=56
